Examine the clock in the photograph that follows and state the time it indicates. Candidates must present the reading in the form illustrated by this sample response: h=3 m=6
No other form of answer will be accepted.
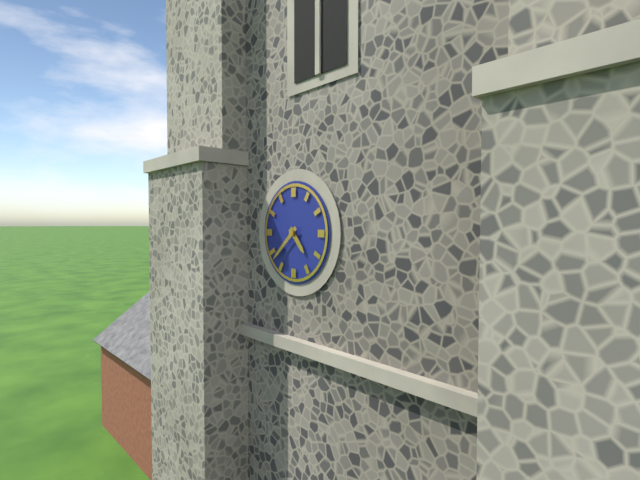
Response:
h=4 m=38
